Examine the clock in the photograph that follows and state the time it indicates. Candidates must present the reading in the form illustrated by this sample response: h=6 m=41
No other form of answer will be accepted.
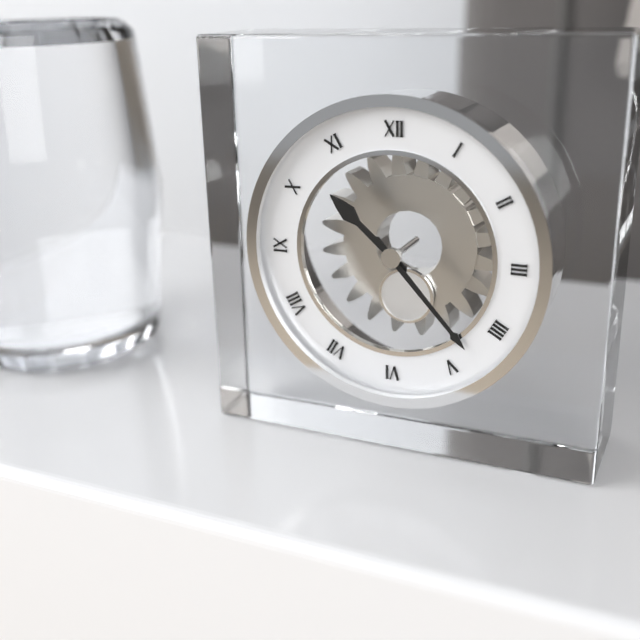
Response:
h=10 m=23
